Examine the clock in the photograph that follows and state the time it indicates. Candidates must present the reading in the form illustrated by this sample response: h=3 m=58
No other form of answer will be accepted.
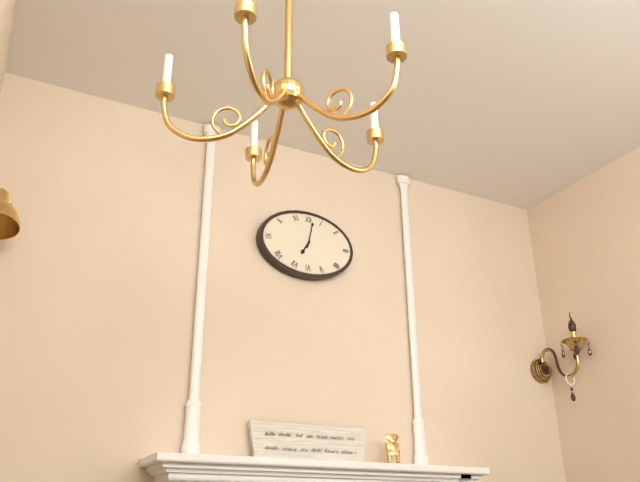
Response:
h=7 m=2
